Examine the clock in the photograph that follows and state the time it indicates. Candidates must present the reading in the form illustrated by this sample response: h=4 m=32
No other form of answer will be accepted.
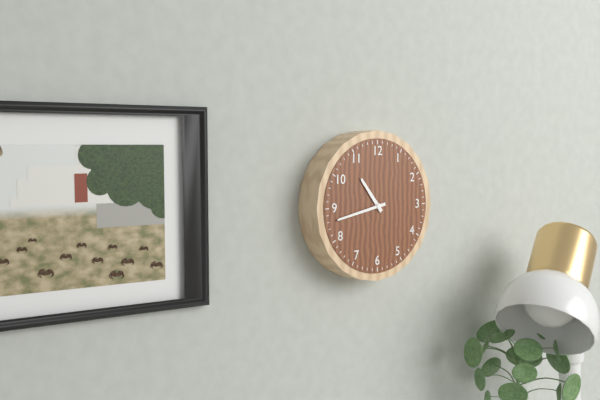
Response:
h=10 m=43
